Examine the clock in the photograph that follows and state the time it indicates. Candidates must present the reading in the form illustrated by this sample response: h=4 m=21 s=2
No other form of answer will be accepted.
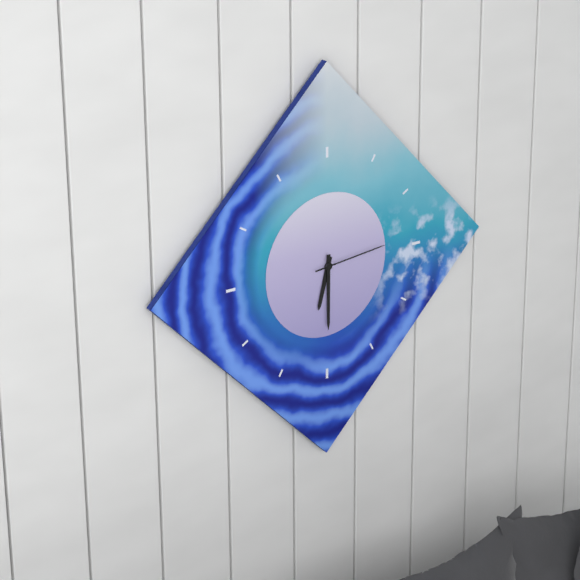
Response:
h=6 m=30 s=14
